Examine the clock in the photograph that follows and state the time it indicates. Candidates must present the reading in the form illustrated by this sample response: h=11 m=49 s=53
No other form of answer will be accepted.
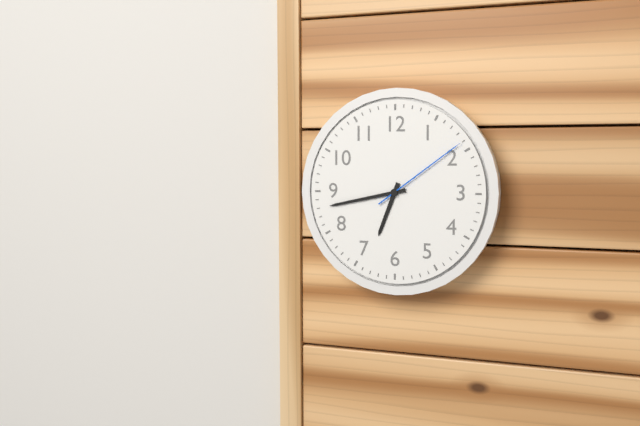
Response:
h=6 m=43 s=9
